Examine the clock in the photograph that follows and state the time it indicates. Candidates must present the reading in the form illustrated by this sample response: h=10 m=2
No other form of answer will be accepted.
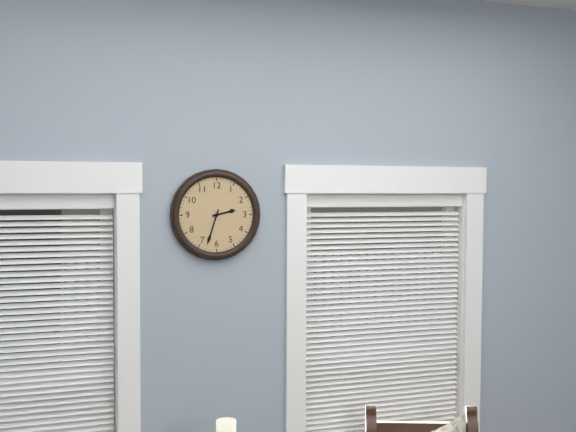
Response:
h=2 m=33
